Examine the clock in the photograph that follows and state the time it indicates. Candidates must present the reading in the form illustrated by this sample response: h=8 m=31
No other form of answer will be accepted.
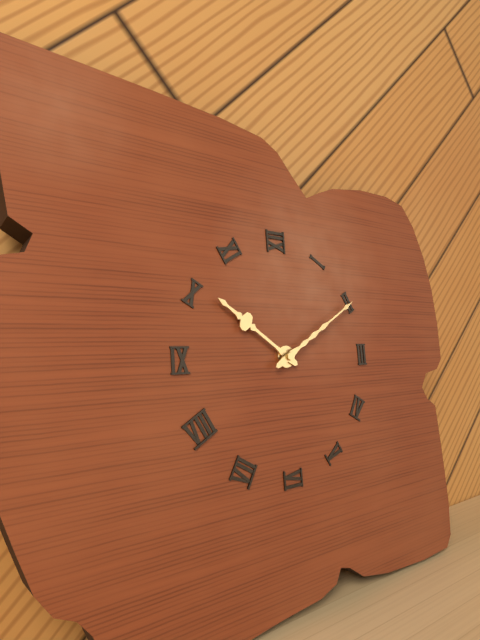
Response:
h=10 m=10
